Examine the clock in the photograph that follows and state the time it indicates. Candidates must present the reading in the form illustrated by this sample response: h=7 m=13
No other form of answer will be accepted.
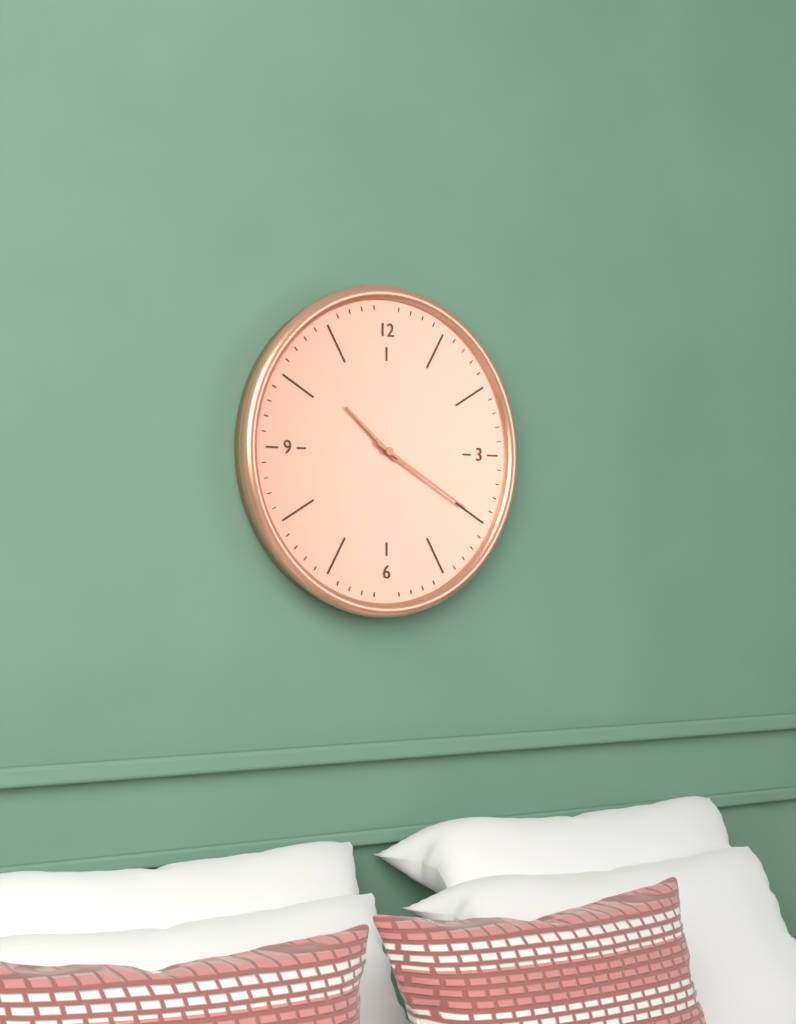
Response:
h=10 m=20
